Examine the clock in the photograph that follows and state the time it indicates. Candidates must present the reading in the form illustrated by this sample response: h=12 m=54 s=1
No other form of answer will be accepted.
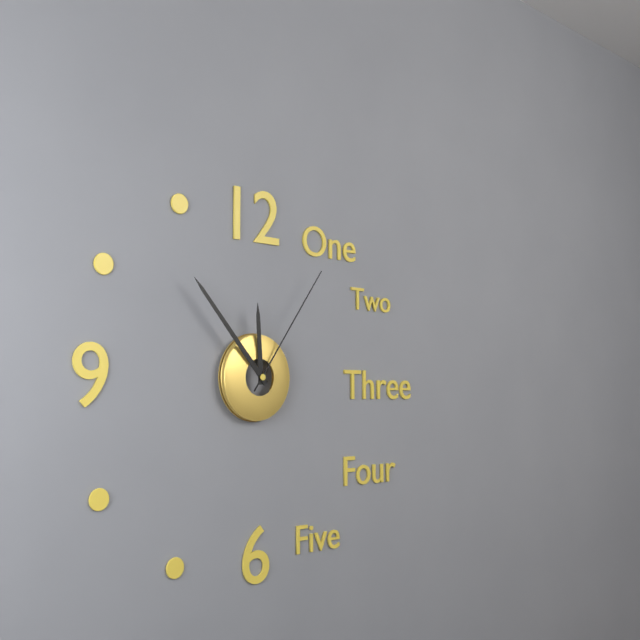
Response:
h=11 m=53 s=6
